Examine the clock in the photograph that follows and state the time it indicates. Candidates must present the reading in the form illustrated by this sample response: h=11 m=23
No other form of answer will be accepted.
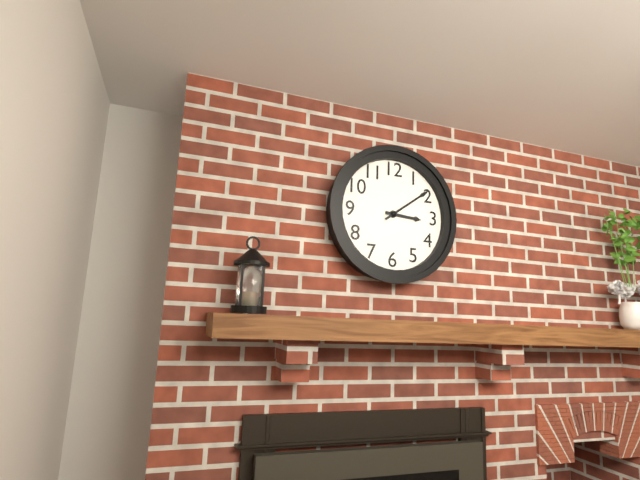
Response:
h=3 m=9
